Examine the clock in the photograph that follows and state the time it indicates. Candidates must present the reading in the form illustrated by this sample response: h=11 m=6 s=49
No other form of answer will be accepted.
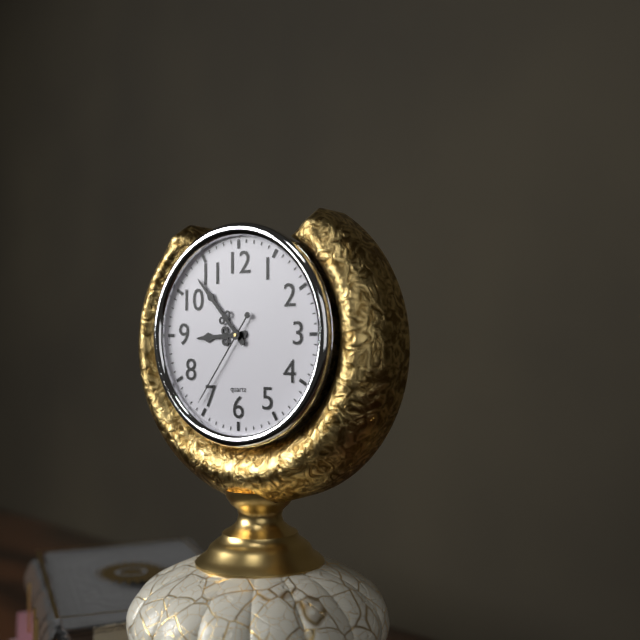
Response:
h=8 m=53 s=36
